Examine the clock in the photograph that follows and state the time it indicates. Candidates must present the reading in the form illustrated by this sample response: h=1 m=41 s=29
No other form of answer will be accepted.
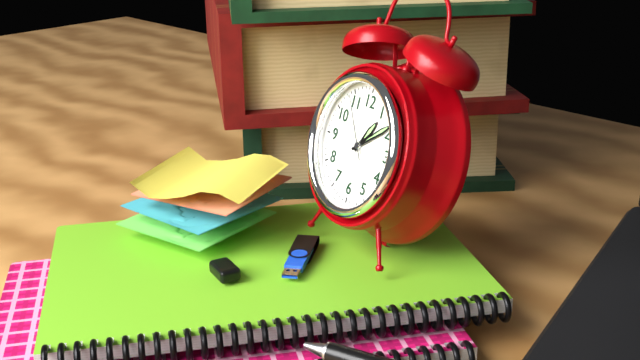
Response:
h=1 m=9 s=54
